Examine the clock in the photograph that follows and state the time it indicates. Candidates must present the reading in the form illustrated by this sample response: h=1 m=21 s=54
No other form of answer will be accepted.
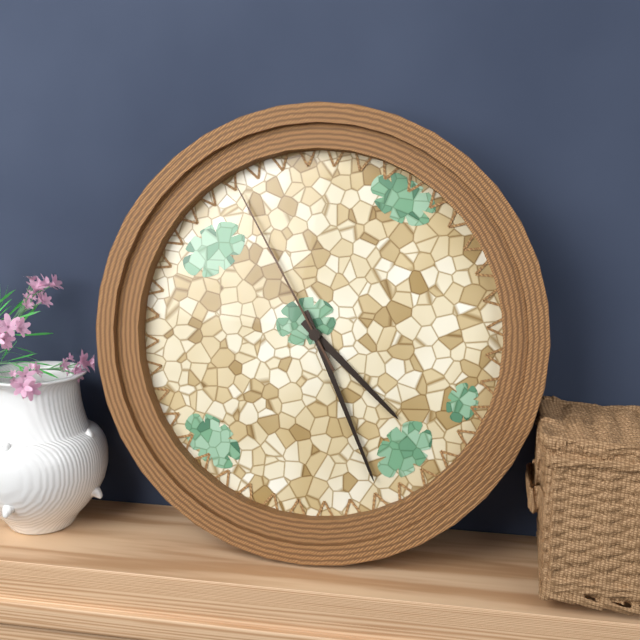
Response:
h=4 m=26 s=55
